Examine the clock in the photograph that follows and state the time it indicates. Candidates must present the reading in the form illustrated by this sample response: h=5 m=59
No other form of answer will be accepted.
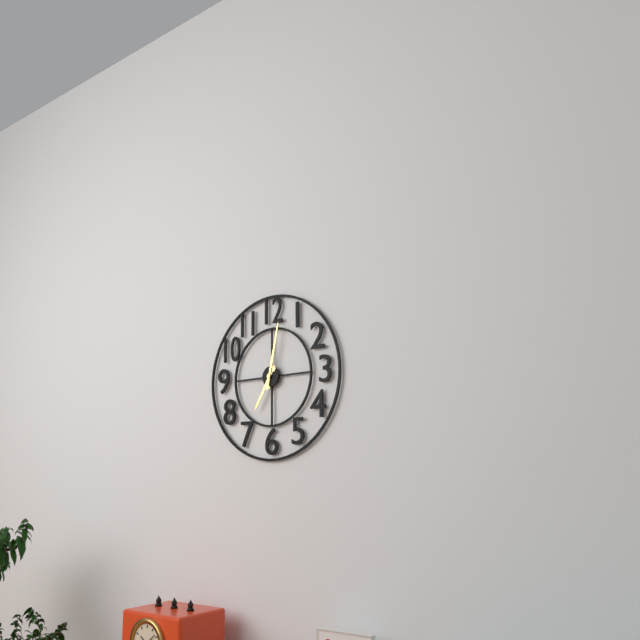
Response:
h=7 m=2
